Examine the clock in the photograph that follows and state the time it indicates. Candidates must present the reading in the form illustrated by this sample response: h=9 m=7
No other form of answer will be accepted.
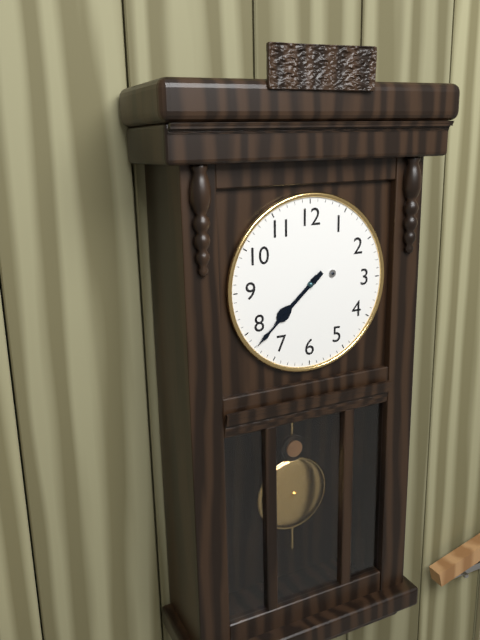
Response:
h=7 m=38
